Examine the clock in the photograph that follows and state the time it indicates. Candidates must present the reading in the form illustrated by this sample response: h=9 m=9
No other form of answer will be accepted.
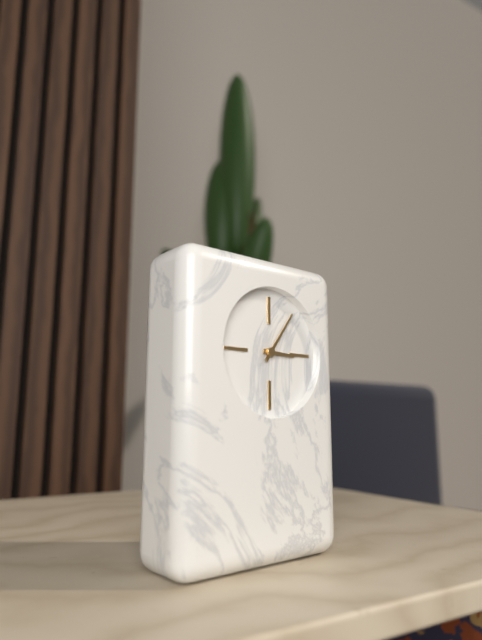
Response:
h=3 m=6
